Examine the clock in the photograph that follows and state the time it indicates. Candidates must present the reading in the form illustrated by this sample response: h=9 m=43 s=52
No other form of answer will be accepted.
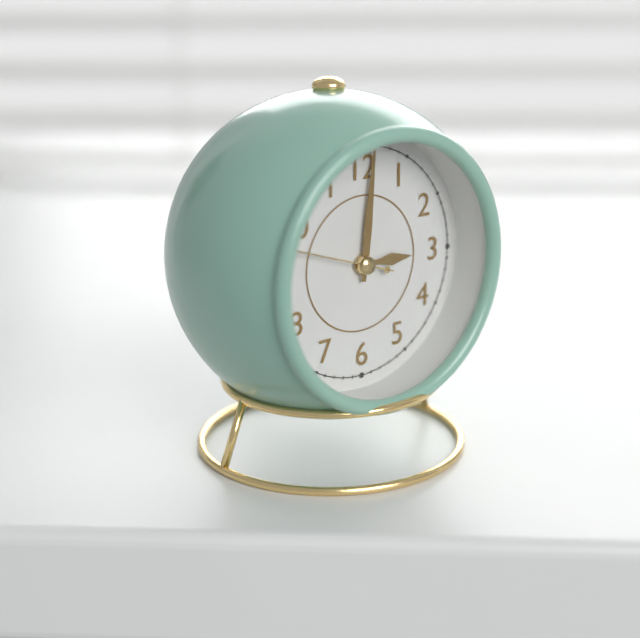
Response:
h=3 m=1 s=48
